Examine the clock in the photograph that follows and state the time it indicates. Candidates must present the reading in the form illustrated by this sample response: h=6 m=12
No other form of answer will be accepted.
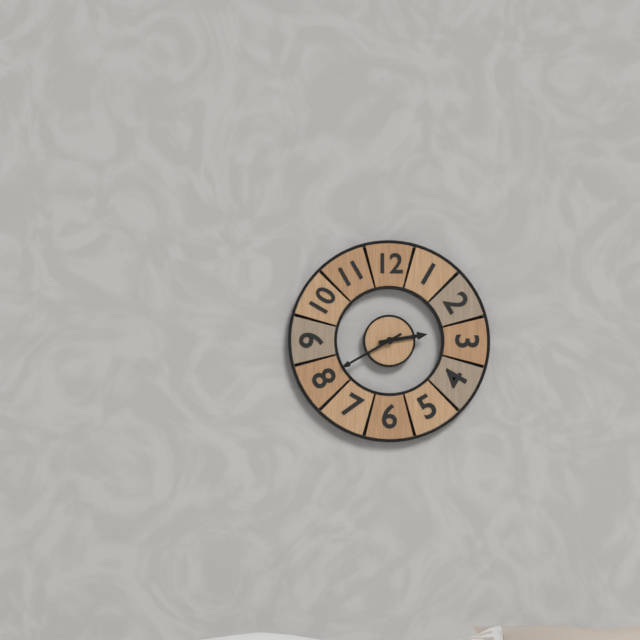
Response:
h=2 m=40
